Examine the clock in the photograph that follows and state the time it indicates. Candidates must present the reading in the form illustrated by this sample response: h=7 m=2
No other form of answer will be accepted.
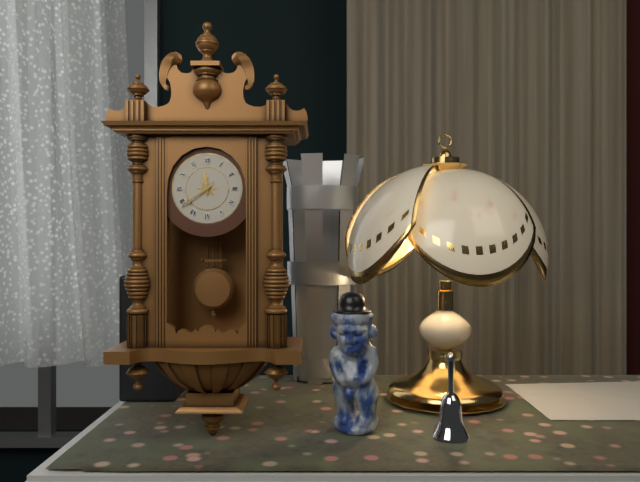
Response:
h=11 m=39
